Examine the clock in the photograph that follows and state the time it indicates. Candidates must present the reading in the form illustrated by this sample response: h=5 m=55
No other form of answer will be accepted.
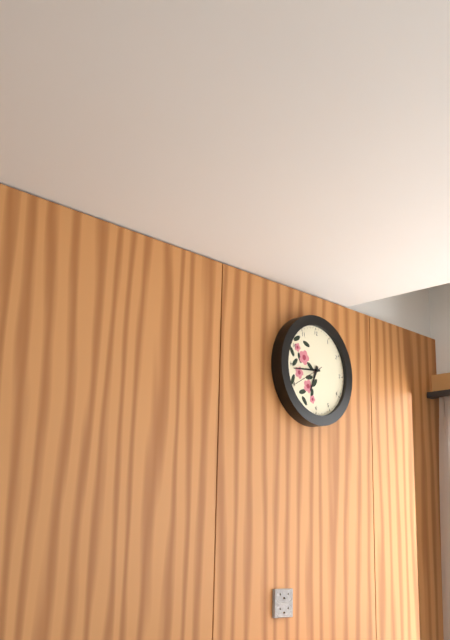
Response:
h=6 m=44
